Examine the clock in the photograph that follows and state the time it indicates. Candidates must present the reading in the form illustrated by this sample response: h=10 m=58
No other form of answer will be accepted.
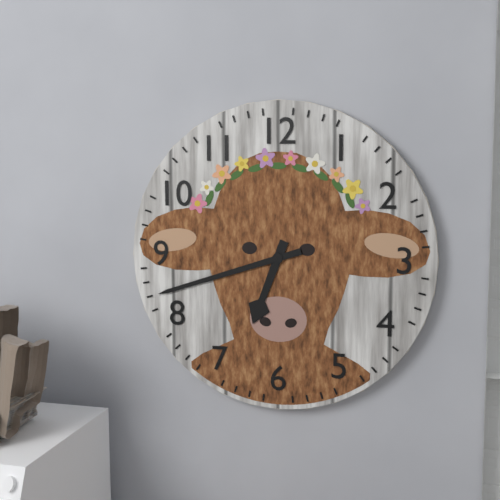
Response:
h=6 m=42
